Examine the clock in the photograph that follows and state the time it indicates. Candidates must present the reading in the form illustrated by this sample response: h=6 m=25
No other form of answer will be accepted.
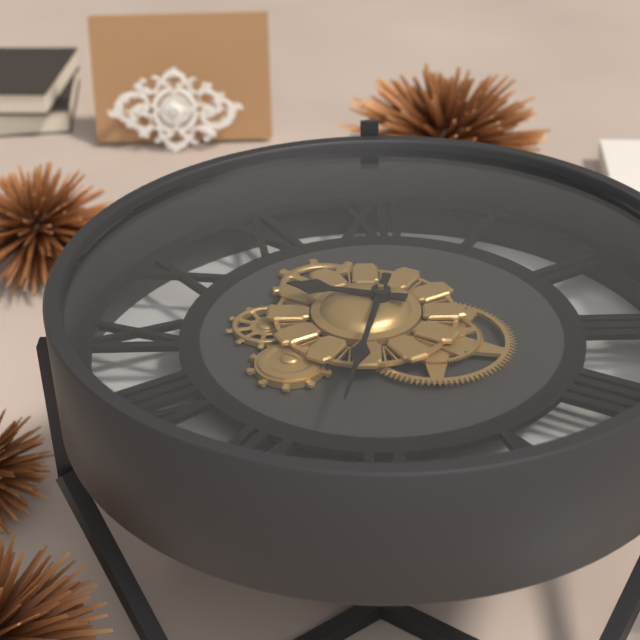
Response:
h=9 m=32
